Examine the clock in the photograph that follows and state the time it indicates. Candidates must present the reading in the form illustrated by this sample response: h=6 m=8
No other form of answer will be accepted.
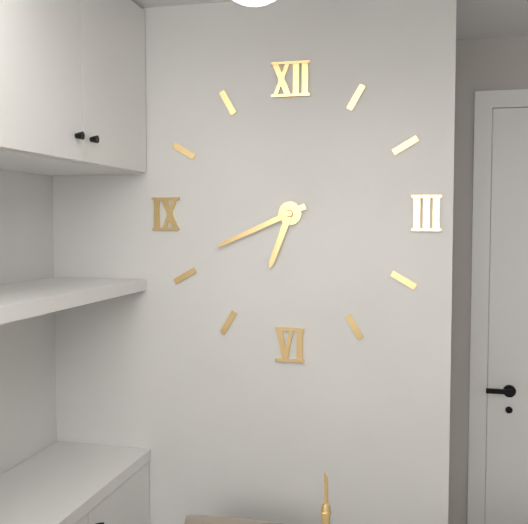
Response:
h=6 m=41
